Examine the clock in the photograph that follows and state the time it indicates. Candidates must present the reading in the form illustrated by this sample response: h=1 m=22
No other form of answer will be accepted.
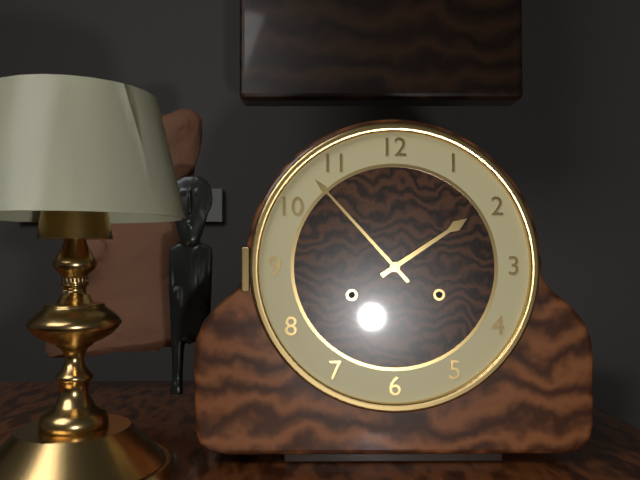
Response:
h=1 m=53
